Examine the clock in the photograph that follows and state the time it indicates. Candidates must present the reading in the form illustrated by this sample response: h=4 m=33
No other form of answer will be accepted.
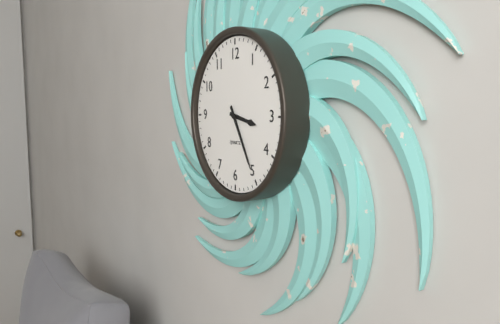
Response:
h=3 m=25
